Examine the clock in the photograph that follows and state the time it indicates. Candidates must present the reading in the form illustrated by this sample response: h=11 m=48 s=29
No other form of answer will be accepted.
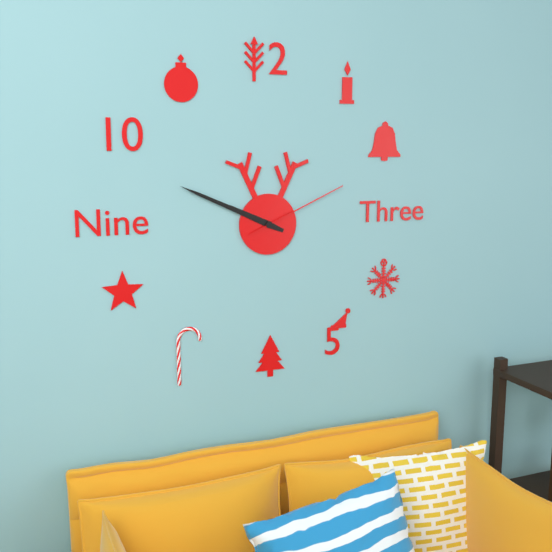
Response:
h=9 m=49 s=11
